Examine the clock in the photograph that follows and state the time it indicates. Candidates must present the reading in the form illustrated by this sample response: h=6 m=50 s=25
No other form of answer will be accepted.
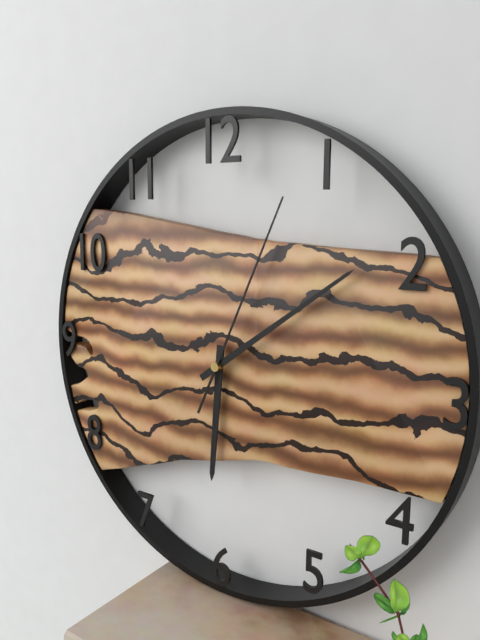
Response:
h=6 m=9 s=4
